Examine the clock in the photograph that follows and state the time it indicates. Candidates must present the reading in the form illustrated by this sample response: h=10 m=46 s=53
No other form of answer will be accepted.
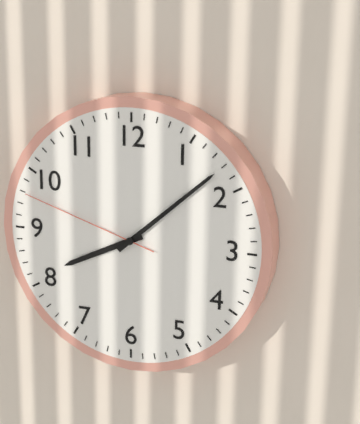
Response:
h=8 m=8 s=48
